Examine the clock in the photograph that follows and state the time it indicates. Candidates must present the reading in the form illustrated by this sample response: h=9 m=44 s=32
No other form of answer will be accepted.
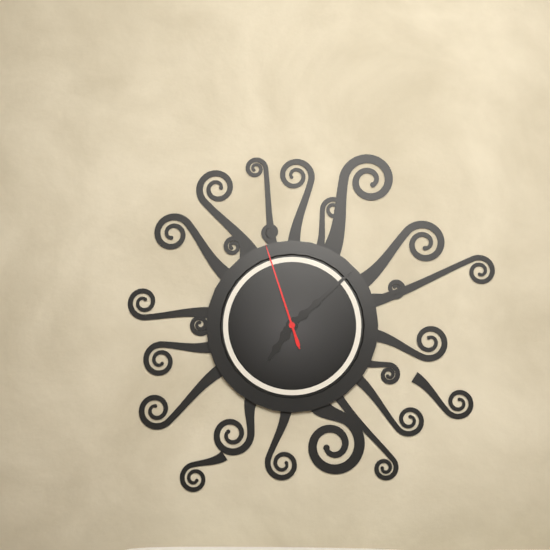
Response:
h=7 m=8 s=57
